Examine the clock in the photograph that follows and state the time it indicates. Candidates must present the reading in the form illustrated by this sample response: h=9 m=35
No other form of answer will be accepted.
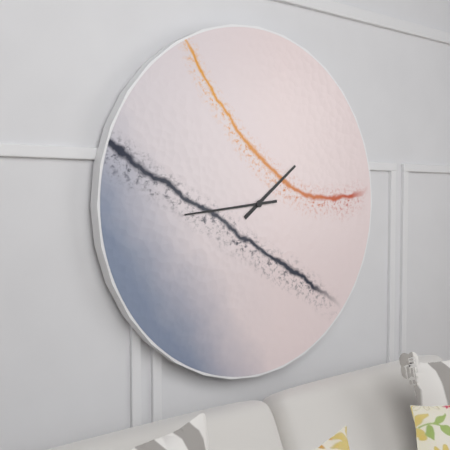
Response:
h=1 m=44
